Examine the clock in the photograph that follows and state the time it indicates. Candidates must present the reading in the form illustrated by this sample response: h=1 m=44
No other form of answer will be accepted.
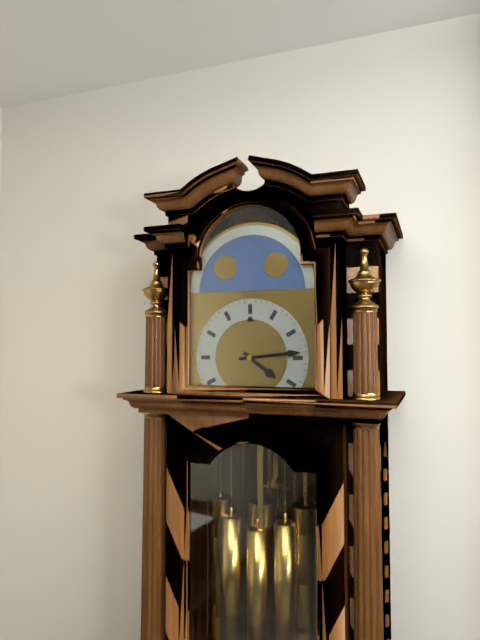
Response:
h=4 m=14
